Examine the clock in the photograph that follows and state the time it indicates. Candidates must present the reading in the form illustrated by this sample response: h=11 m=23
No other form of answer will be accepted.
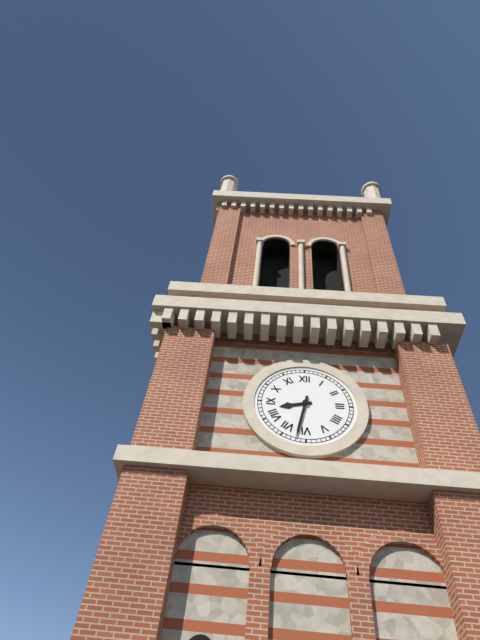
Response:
h=8 m=32
